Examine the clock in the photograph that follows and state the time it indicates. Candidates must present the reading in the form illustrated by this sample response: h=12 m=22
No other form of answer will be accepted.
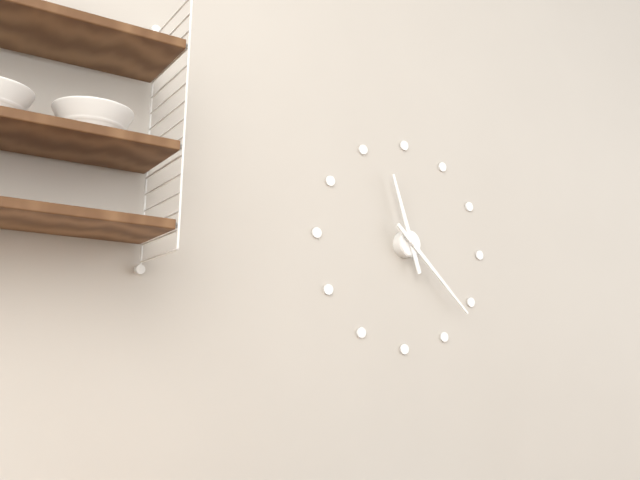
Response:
h=11 m=22
